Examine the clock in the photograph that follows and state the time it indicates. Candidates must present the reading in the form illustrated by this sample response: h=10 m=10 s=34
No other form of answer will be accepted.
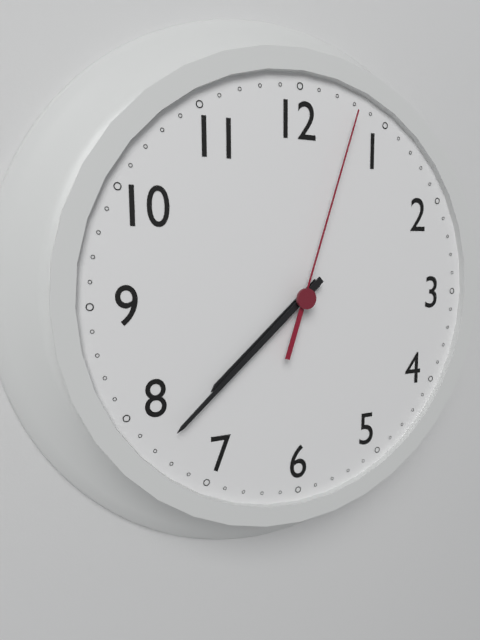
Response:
h=7 m=38 s=3
